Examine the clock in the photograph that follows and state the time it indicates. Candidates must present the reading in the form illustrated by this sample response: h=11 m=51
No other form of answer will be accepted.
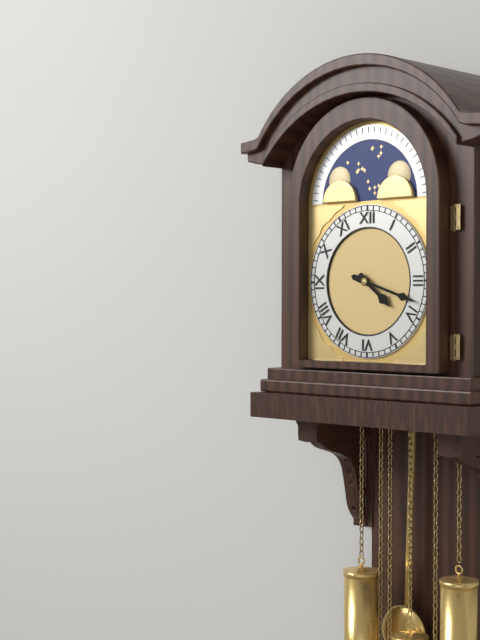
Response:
h=4 m=18
